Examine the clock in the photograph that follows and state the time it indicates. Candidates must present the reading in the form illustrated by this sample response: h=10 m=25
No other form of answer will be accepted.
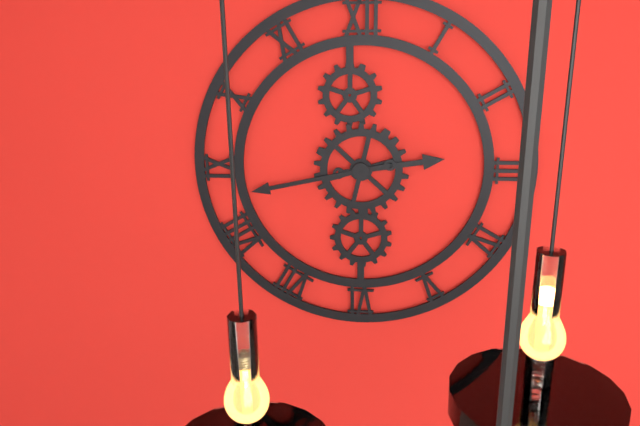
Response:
h=2 m=43
